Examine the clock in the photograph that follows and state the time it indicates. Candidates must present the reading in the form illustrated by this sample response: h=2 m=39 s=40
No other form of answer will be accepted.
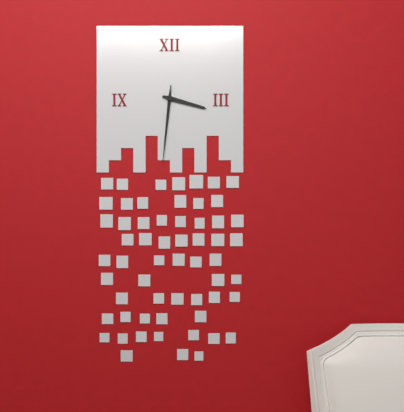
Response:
h=3 m=31 s=31
